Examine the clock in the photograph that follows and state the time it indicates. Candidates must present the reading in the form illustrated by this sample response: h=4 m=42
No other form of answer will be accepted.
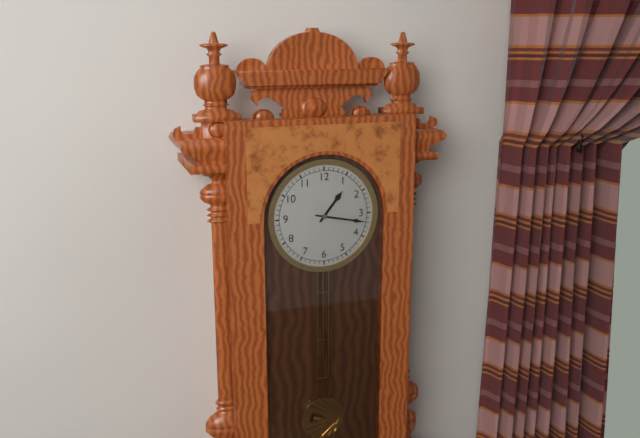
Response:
h=1 m=17
